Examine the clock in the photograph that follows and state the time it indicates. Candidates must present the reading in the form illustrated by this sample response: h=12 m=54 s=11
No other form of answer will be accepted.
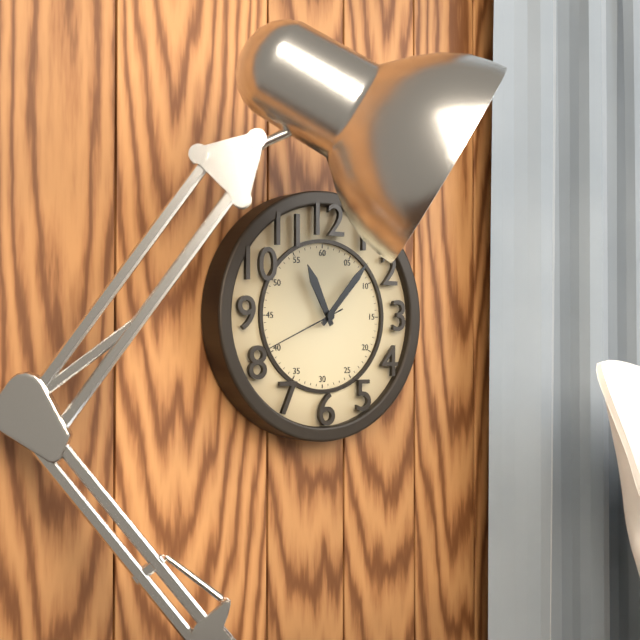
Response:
h=11 m=7 s=41
